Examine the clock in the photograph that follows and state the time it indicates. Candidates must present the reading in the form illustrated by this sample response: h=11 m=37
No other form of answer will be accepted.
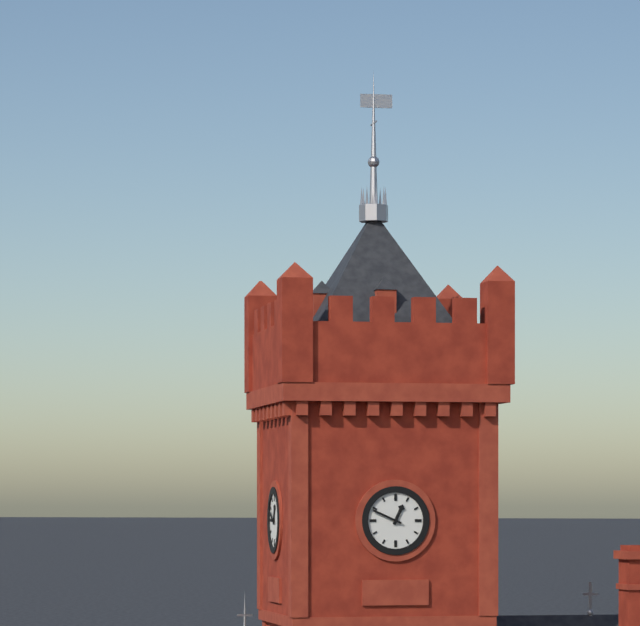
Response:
h=12 m=49
